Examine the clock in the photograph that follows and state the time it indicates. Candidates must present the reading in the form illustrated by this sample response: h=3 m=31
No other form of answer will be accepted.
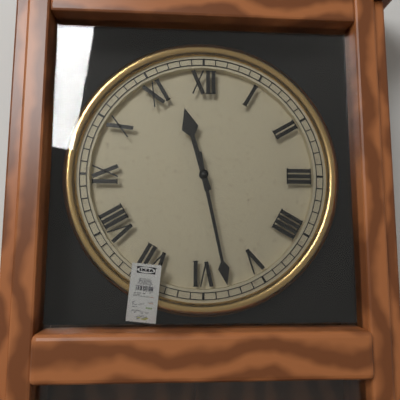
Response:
h=11 m=28
